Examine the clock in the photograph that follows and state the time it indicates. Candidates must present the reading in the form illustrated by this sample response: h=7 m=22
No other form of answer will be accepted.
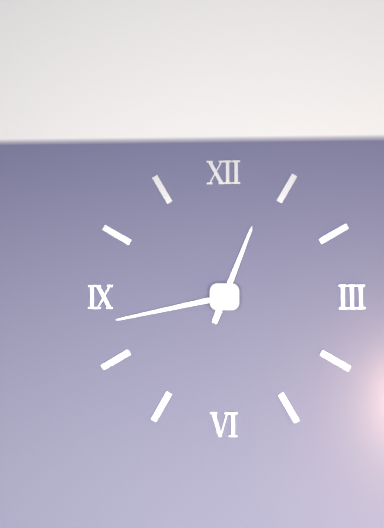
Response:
h=12 m=43
